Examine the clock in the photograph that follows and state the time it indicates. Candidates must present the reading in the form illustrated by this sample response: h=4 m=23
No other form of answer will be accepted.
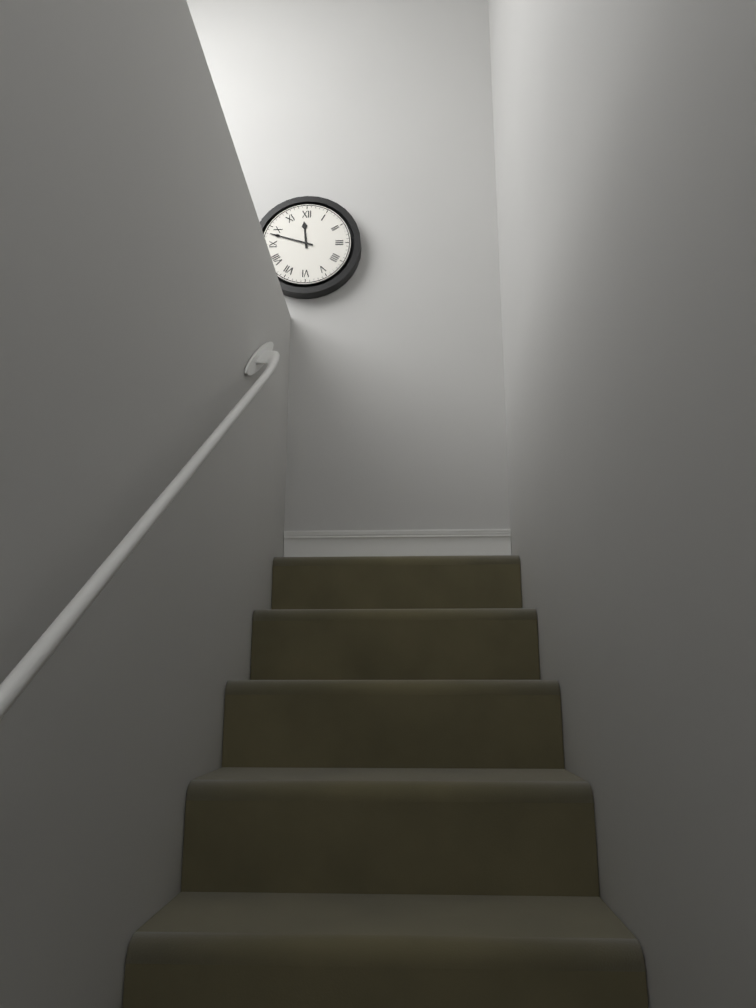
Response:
h=11 m=48
